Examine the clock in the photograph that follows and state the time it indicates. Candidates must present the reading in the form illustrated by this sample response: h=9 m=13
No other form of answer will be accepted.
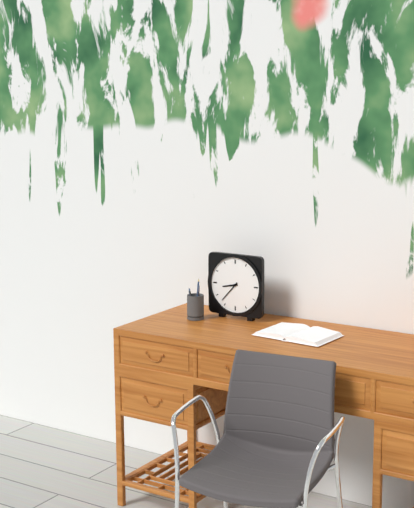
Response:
h=8 m=37
